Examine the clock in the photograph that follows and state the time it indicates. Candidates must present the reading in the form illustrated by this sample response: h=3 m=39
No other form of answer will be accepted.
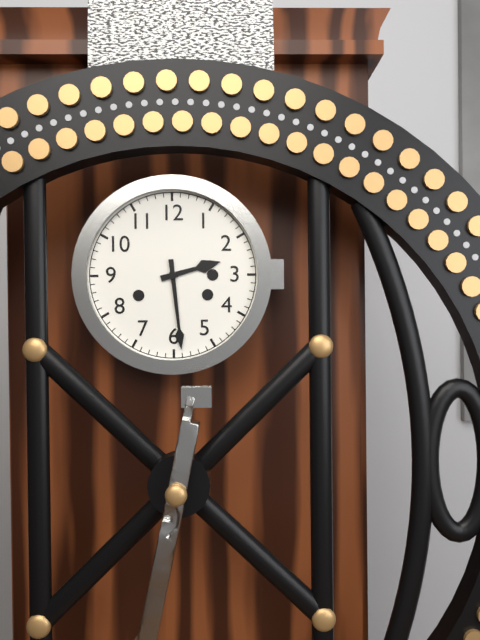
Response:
h=2 m=29
